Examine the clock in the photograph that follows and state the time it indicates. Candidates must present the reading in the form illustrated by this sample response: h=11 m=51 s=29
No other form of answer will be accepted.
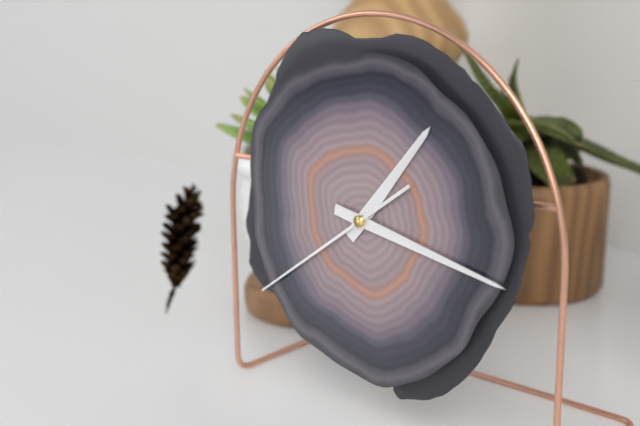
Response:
h=1 m=17 s=39
